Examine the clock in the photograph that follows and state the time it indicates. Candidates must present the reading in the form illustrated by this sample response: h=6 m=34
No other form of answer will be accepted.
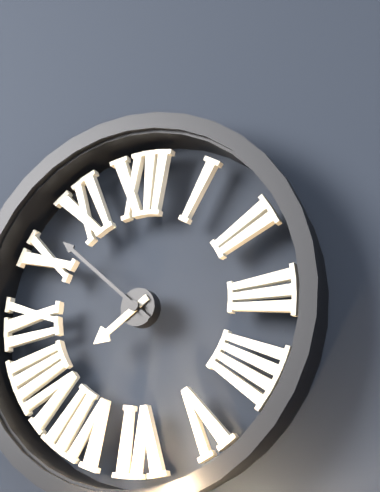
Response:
h=7 m=52
